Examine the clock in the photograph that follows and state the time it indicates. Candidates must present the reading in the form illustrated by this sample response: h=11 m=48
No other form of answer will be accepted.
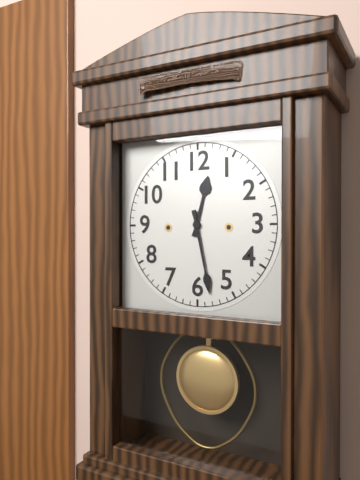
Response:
h=12 m=28
